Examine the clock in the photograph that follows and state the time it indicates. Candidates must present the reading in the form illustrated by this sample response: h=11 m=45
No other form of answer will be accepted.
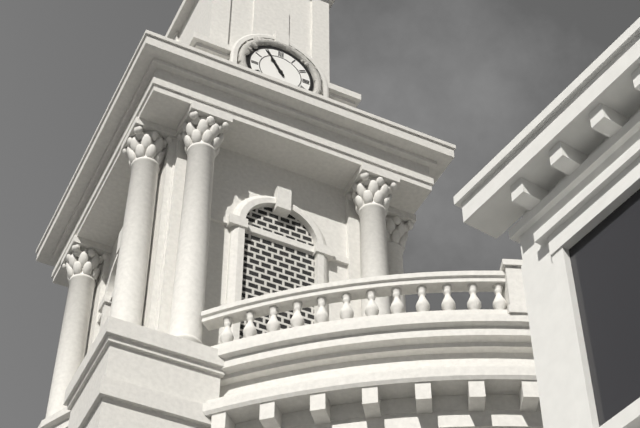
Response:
h=10 m=55
